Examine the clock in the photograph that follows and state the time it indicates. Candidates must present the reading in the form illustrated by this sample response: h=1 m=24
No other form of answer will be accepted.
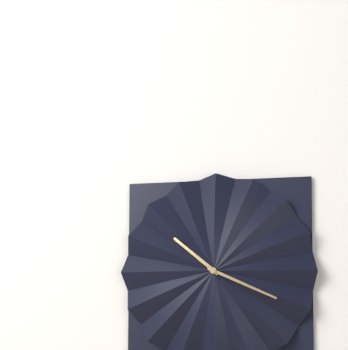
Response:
h=10 m=19
